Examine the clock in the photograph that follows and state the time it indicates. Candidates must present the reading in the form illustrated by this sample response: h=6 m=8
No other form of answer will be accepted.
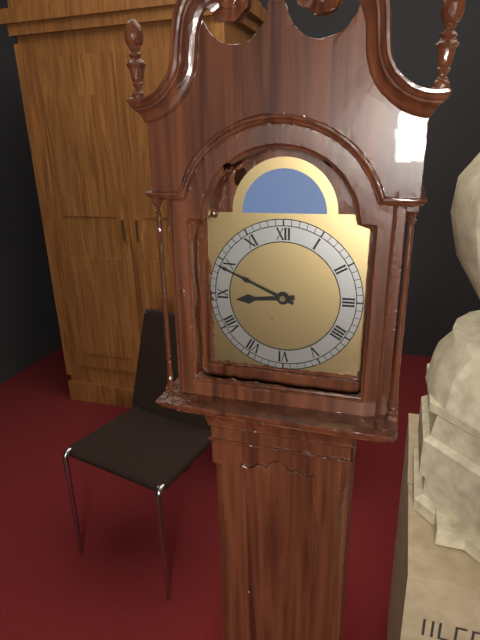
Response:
h=8 m=49
